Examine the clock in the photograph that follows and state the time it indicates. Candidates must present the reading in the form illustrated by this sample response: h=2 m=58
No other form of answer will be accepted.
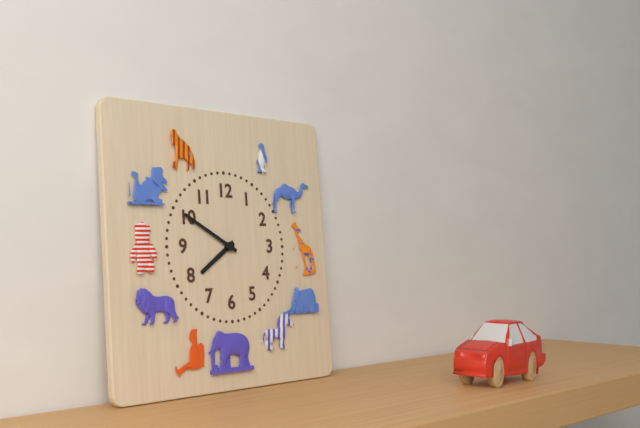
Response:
h=7 m=50
